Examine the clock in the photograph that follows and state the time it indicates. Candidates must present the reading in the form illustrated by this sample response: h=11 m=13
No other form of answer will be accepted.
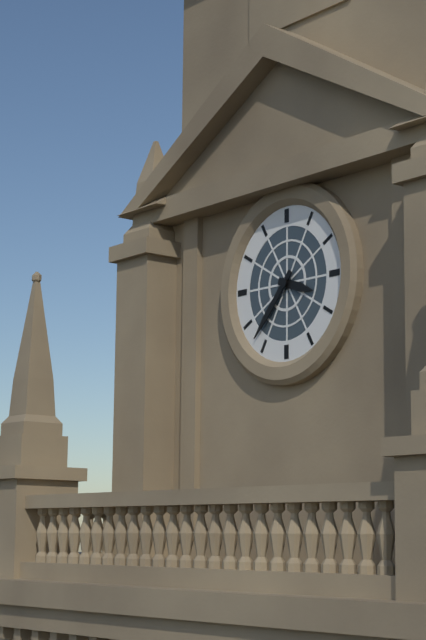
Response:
h=3 m=37
